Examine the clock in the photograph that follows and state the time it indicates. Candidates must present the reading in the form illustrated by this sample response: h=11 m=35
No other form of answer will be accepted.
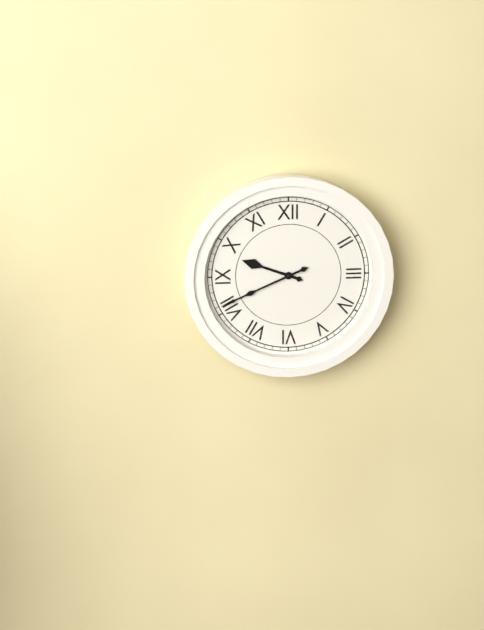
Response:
h=9 m=41
